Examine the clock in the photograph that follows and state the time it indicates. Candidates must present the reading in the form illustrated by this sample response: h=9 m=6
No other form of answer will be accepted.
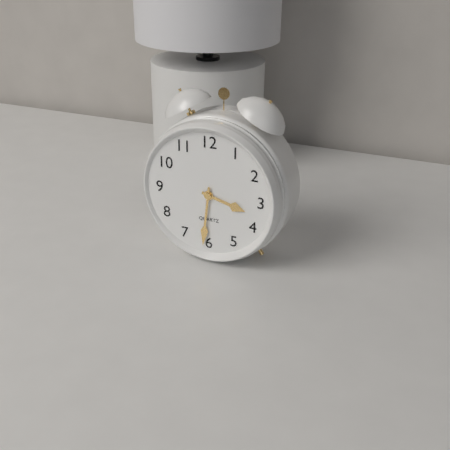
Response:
h=3 m=31
